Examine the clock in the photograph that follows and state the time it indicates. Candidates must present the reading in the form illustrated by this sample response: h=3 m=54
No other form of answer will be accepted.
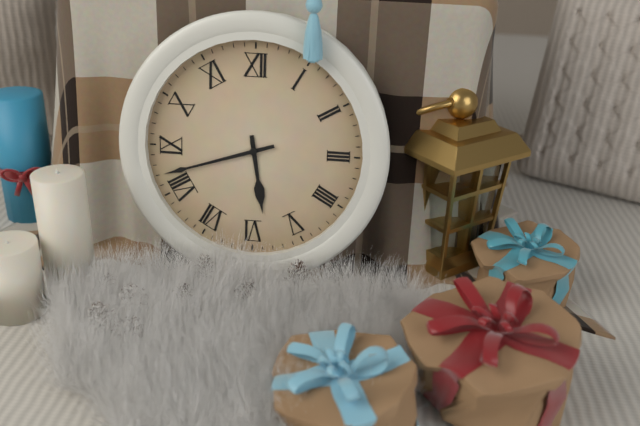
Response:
h=5 m=42
